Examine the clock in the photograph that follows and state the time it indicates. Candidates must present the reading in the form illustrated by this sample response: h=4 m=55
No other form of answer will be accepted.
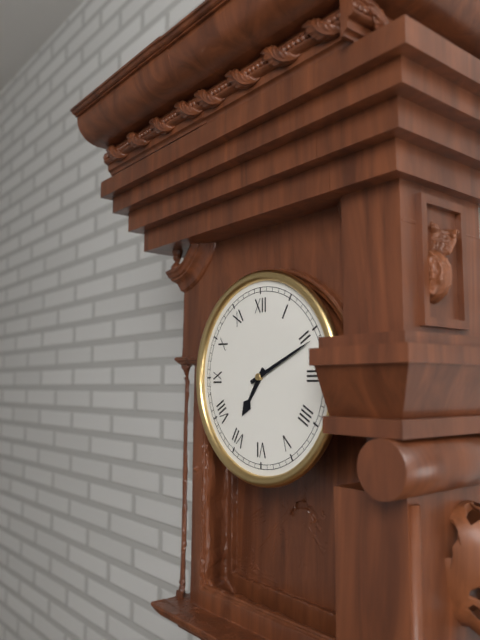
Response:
h=7 m=11
